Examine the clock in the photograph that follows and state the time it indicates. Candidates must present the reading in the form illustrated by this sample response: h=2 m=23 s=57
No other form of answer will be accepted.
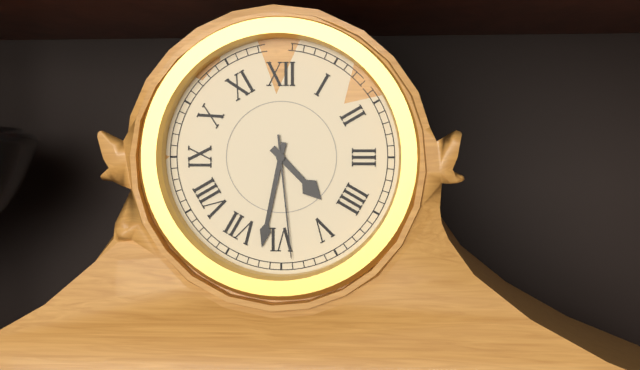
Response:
h=4 m=32 s=29
